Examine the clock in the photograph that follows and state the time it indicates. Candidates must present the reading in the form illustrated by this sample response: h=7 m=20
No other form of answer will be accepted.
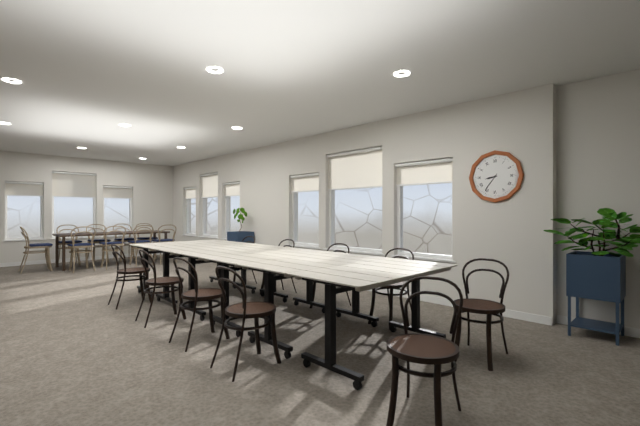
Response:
h=8 m=36
